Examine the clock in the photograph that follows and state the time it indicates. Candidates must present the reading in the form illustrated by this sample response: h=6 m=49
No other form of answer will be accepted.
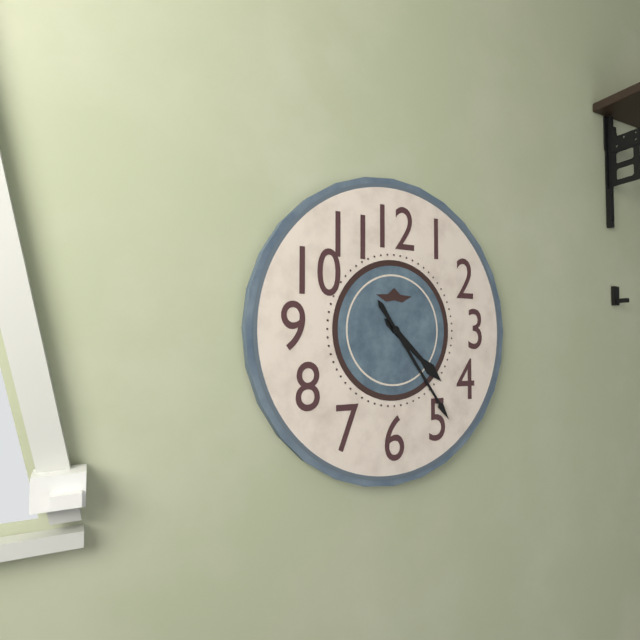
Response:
h=4 m=24
